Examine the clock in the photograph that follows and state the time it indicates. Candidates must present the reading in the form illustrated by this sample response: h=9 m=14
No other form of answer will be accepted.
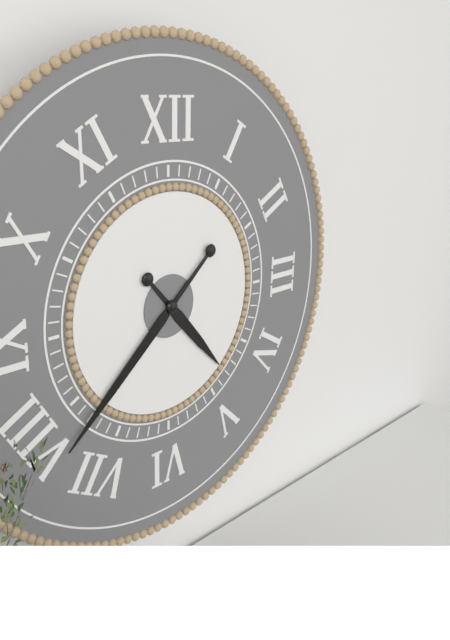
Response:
h=4 m=38
